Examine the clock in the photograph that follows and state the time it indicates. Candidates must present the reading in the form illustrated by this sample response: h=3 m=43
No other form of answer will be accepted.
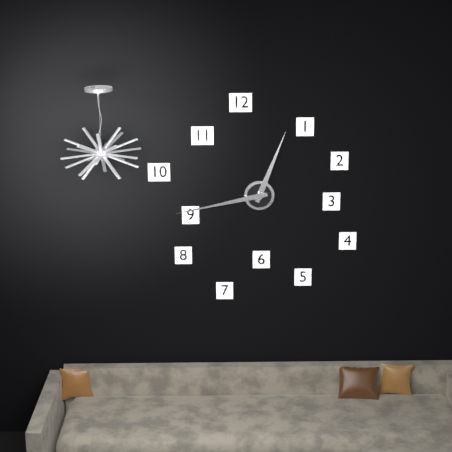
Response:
h=12 m=43
